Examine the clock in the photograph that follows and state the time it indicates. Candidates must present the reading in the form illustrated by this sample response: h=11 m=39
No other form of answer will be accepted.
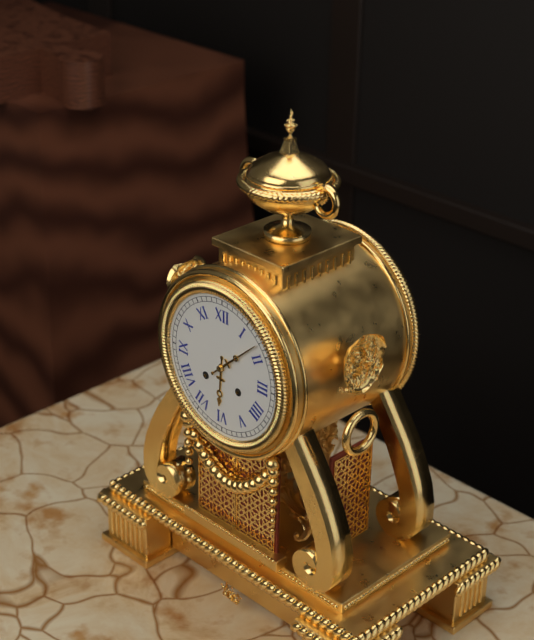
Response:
h=6 m=8
